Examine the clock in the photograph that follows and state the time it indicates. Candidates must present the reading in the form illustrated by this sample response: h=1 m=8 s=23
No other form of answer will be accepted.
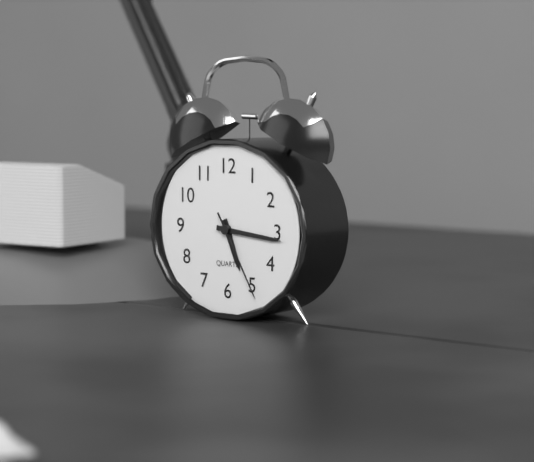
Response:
h=5 m=16 s=25
